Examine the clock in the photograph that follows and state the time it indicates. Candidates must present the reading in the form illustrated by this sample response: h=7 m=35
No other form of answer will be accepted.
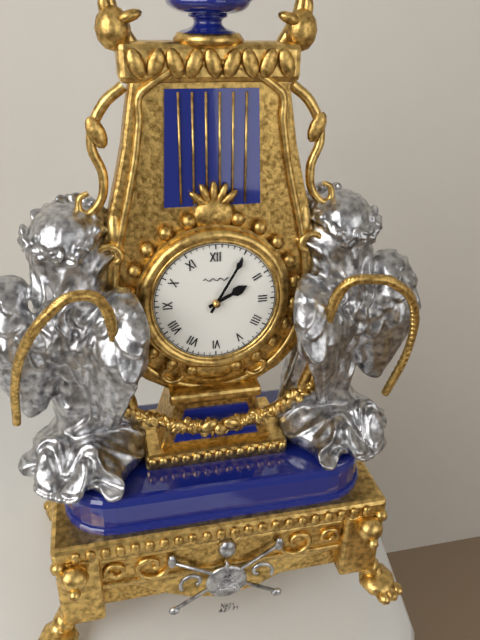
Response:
h=2 m=5
